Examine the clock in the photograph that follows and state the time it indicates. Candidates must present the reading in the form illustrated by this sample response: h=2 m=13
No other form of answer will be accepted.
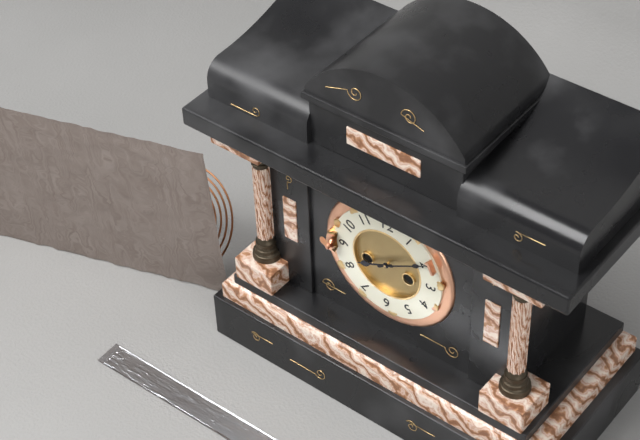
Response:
h=8 m=10
